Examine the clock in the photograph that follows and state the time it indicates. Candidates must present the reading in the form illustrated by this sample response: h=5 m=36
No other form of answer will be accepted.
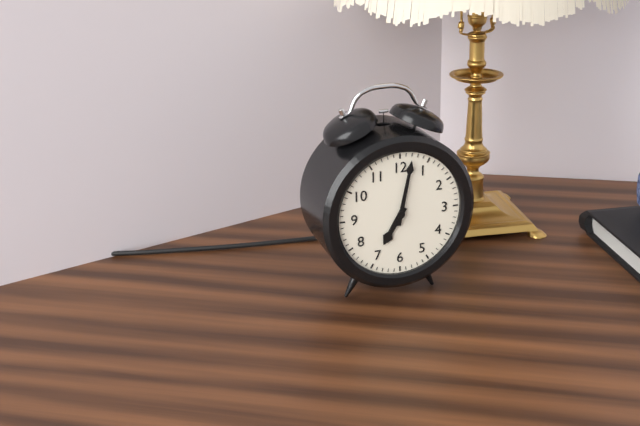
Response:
h=7 m=2
